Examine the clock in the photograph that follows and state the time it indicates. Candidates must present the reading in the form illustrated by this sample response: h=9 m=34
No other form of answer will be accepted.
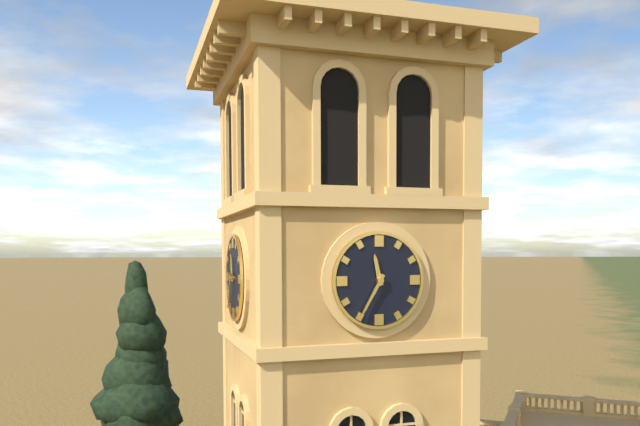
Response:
h=11 m=35
